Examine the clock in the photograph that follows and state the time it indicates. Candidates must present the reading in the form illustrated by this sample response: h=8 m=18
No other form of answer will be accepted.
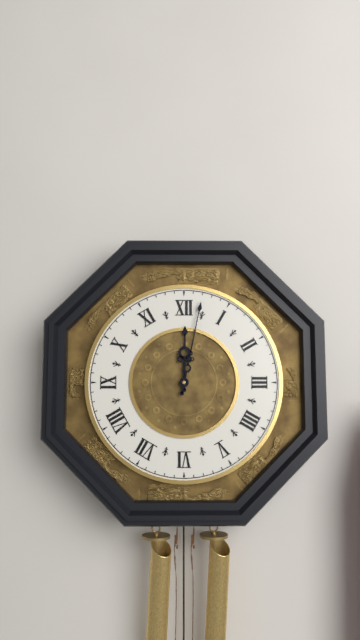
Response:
h=12 m=2
